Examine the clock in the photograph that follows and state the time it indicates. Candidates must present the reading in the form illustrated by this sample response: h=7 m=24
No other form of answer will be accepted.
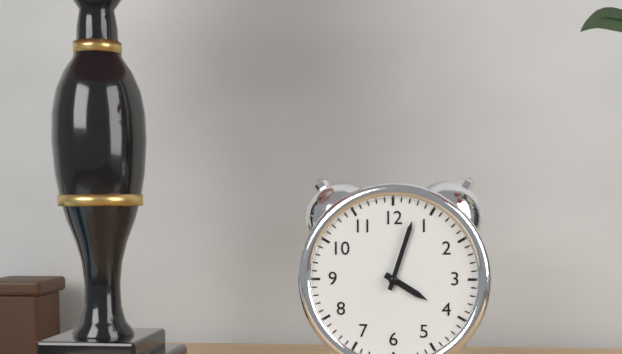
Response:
h=4 m=3
